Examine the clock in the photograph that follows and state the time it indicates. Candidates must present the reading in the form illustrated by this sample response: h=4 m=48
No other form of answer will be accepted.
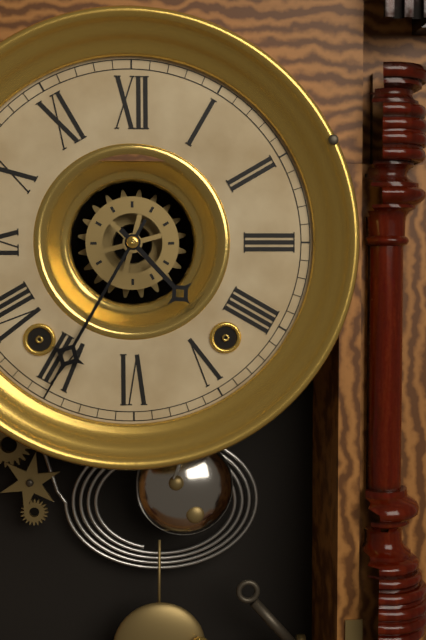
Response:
h=4 m=35
